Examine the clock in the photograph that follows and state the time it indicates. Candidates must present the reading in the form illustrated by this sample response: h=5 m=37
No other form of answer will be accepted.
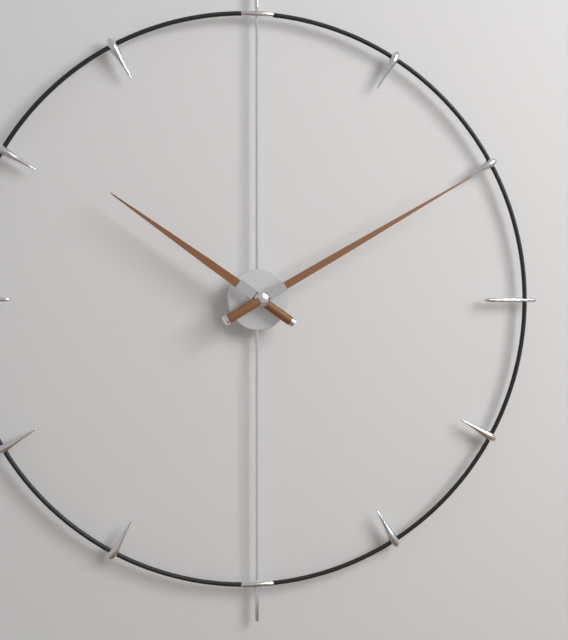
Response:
h=10 m=10
